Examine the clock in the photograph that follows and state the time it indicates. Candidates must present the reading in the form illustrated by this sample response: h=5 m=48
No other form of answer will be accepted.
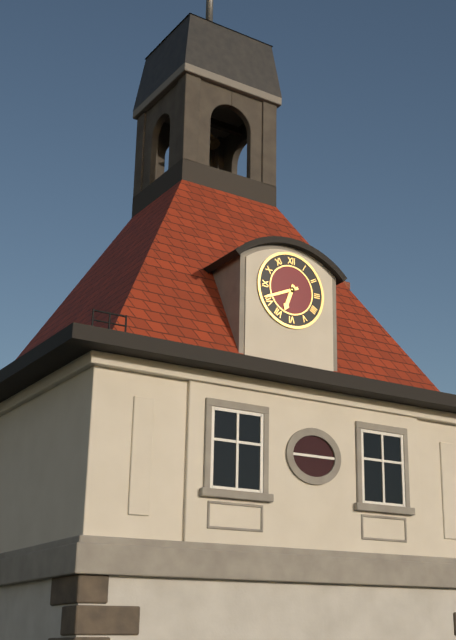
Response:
h=6 m=41
